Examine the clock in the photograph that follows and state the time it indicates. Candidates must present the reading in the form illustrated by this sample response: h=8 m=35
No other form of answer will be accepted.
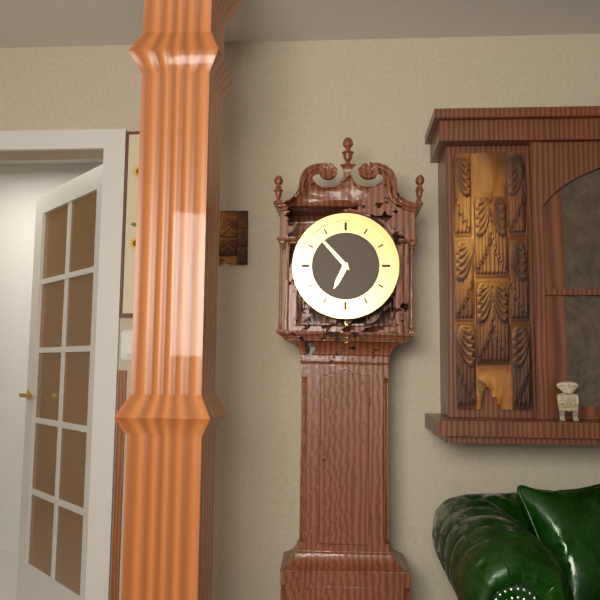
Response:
h=6 m=53
